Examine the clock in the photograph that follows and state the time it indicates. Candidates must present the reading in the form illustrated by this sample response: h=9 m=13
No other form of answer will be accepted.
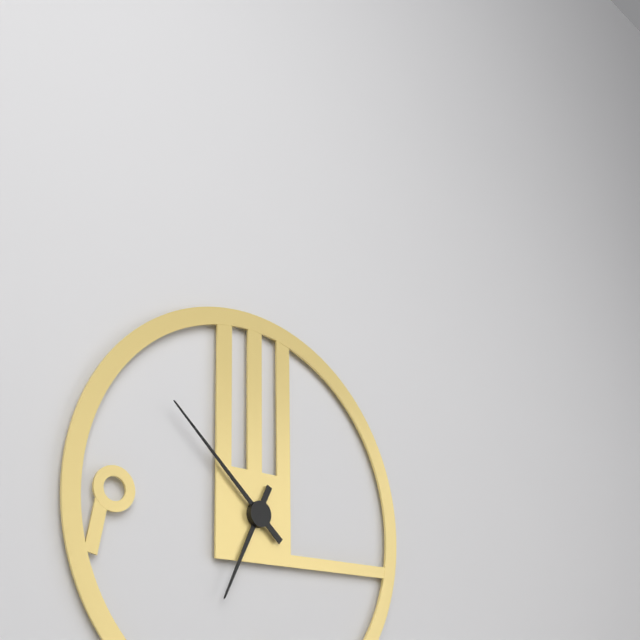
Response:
h=6 m=52
